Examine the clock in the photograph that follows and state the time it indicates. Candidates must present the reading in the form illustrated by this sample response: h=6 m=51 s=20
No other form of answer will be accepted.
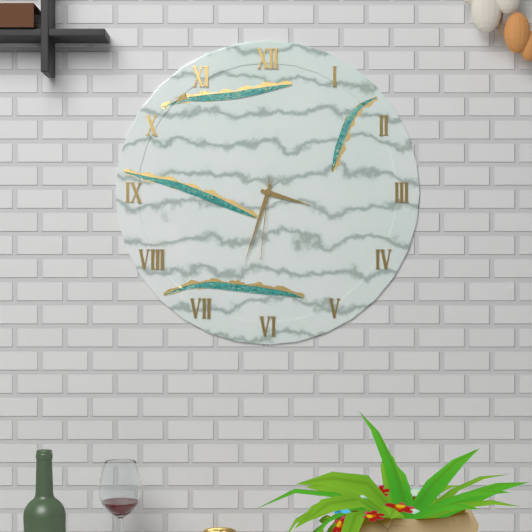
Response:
h=3 m=33 s=31
